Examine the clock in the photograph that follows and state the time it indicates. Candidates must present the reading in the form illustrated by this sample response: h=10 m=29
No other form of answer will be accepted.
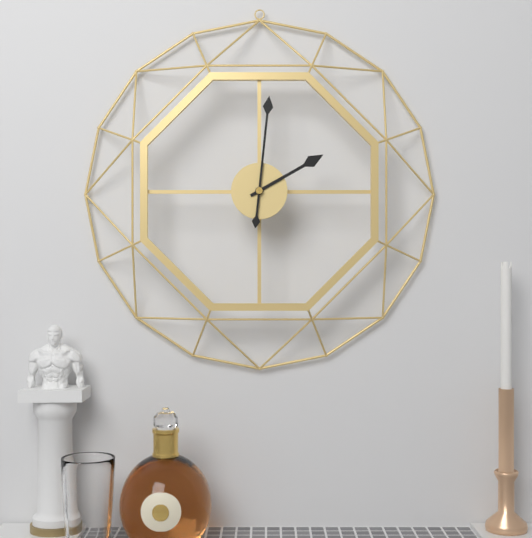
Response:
h=2 m=1
